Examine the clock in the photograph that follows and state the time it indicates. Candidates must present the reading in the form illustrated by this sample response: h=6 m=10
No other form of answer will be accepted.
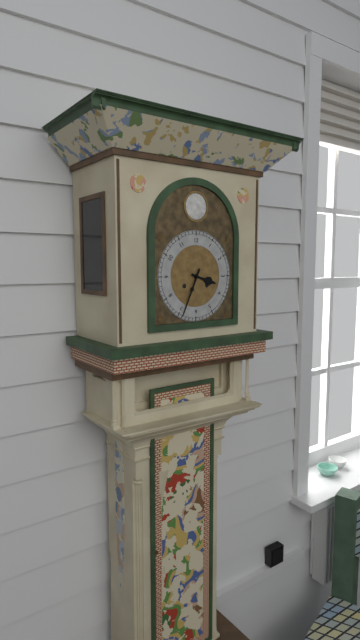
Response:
h=3 m=34
